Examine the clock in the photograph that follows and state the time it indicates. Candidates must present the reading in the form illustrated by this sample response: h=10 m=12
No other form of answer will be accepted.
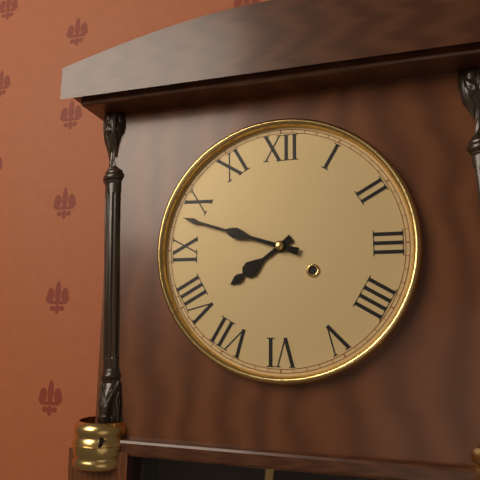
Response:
h=7 m=48
